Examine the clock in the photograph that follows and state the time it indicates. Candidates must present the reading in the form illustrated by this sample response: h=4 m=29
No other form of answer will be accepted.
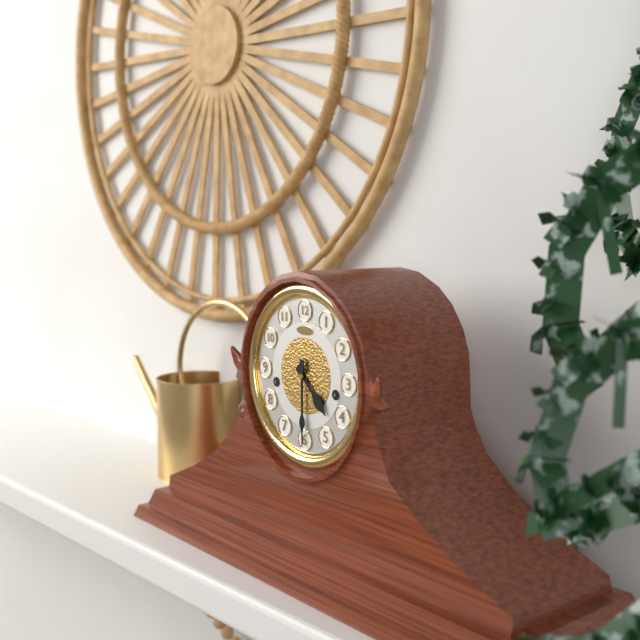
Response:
h=4 m=30
